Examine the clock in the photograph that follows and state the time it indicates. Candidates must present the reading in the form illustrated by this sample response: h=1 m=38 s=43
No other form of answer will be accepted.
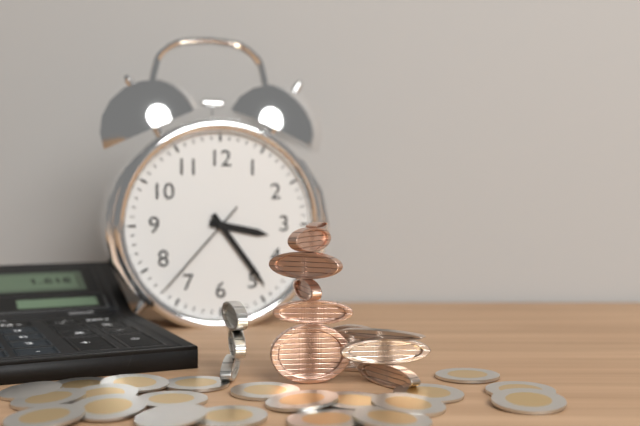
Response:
h=3 m=24 s=37
